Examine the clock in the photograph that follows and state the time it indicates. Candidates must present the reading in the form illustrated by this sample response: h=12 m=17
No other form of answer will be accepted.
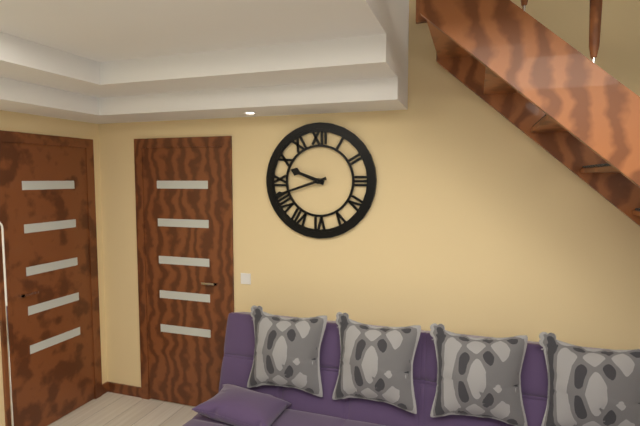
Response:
h=9 m=42
